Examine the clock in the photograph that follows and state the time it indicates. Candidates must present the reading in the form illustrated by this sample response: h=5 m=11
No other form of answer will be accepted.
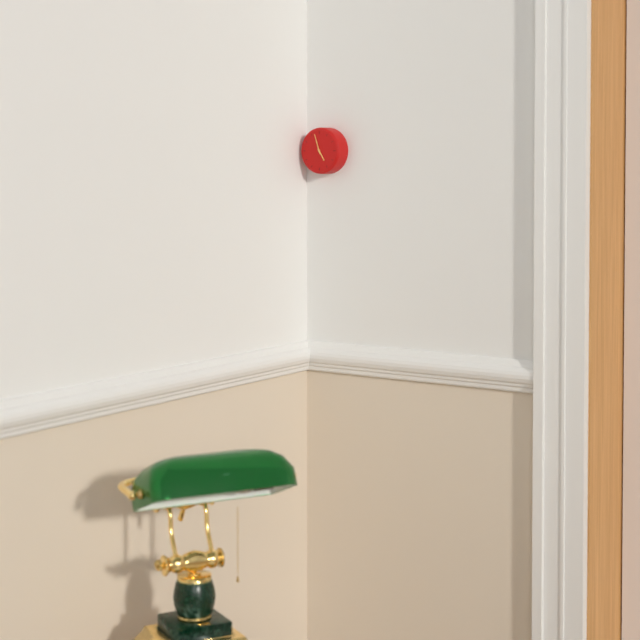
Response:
h=4 m=57
